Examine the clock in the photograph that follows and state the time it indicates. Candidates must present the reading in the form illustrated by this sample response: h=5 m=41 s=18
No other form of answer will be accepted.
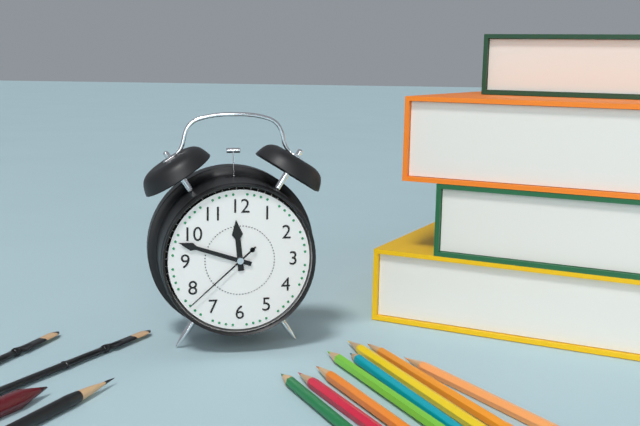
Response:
h=11 m=48 s=38
